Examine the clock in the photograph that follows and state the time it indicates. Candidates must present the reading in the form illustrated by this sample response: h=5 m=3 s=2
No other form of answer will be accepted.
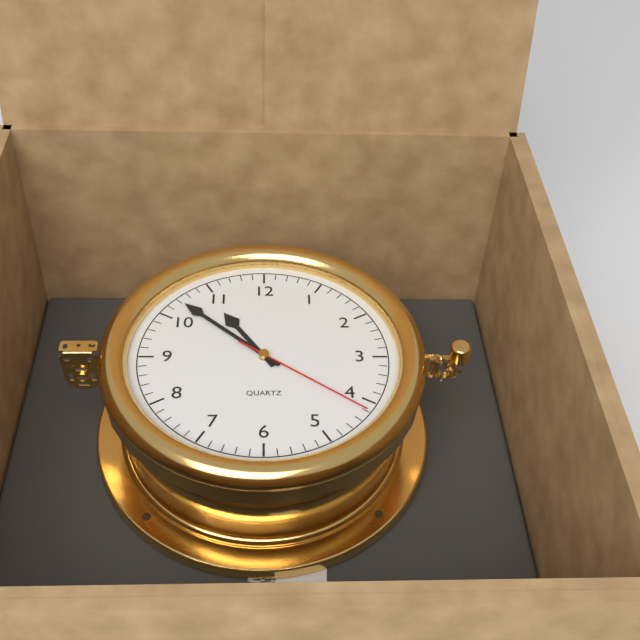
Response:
h=10 m=52 s=21
